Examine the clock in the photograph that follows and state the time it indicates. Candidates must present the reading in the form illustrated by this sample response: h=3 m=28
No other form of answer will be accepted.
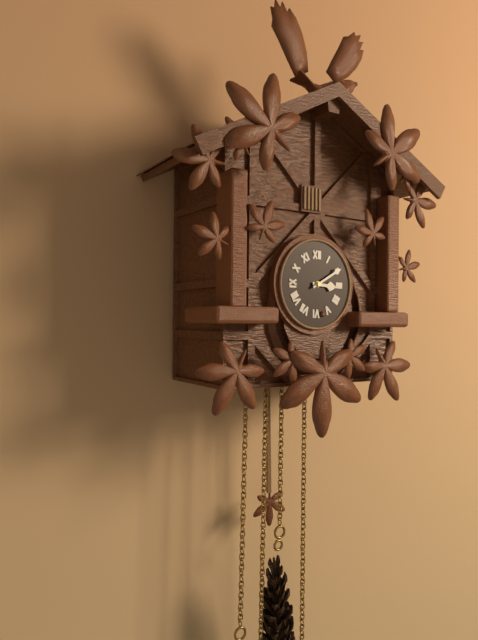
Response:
h=3 m=10
